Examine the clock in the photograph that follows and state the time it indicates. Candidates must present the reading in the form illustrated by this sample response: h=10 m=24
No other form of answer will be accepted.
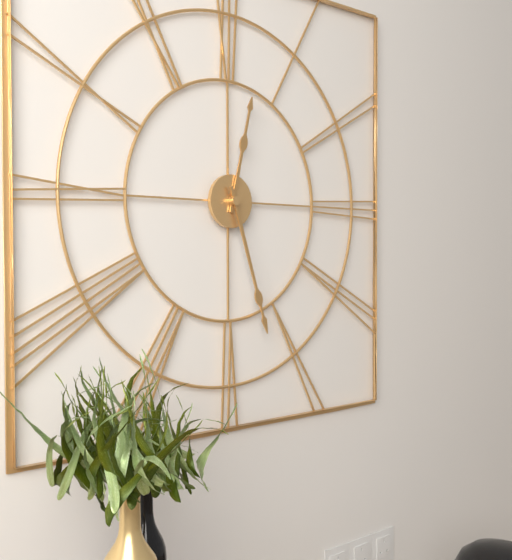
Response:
h=12 m=27
